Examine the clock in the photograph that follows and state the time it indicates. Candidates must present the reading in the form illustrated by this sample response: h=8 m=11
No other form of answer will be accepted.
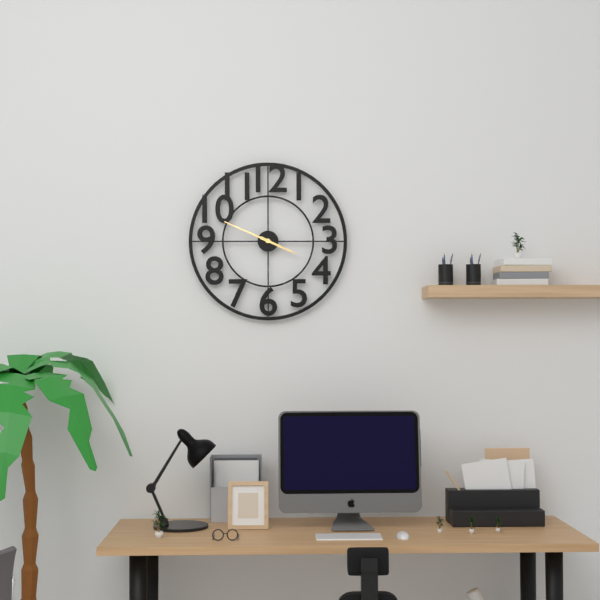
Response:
h=3 m=49
